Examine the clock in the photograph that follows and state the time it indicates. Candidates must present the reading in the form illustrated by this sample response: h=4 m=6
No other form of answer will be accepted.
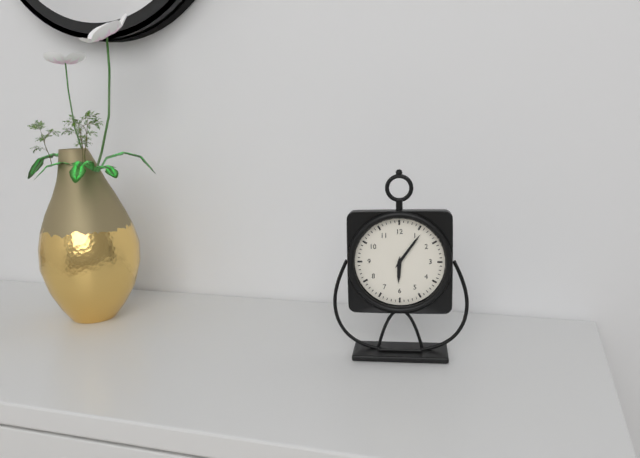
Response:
h=6 m=6
